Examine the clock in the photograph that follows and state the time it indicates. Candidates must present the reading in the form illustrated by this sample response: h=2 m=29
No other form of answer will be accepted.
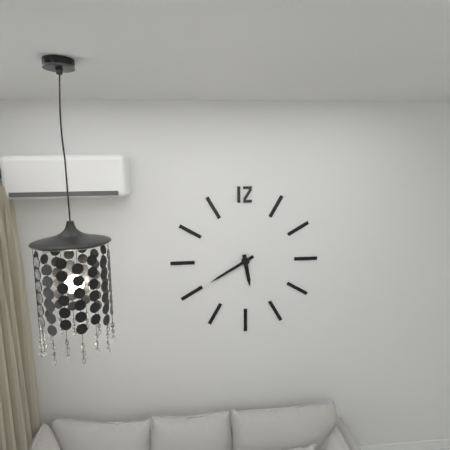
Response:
h=5 m=40
